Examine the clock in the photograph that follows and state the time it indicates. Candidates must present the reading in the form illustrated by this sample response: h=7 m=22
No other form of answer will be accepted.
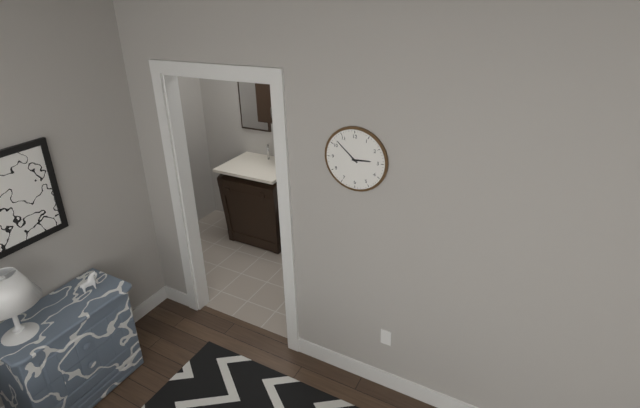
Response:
h=2 m=52
